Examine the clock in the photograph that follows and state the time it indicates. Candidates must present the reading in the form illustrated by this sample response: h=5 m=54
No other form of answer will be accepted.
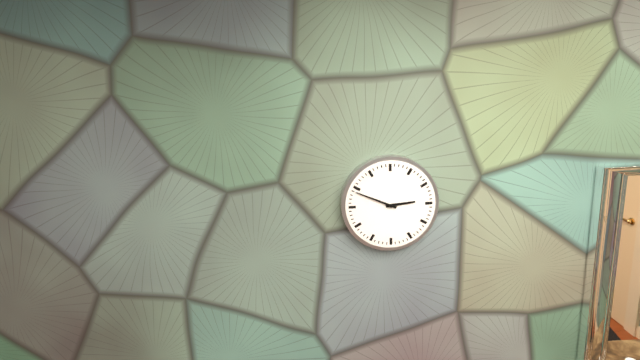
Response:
h=2 m=49
